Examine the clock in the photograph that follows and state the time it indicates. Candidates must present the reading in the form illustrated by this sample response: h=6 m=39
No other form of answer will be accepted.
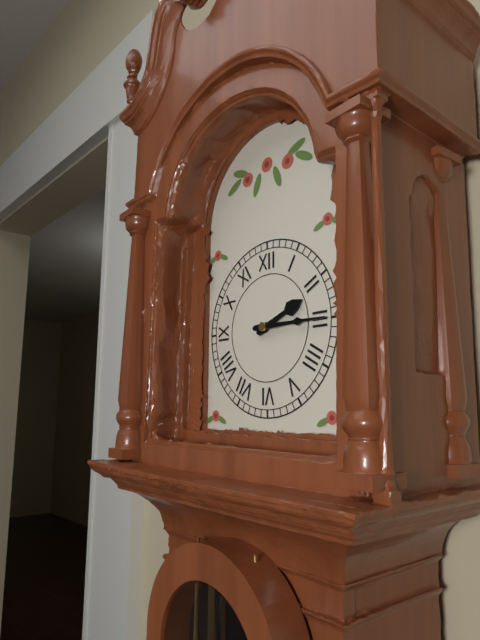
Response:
h=2 m=15
